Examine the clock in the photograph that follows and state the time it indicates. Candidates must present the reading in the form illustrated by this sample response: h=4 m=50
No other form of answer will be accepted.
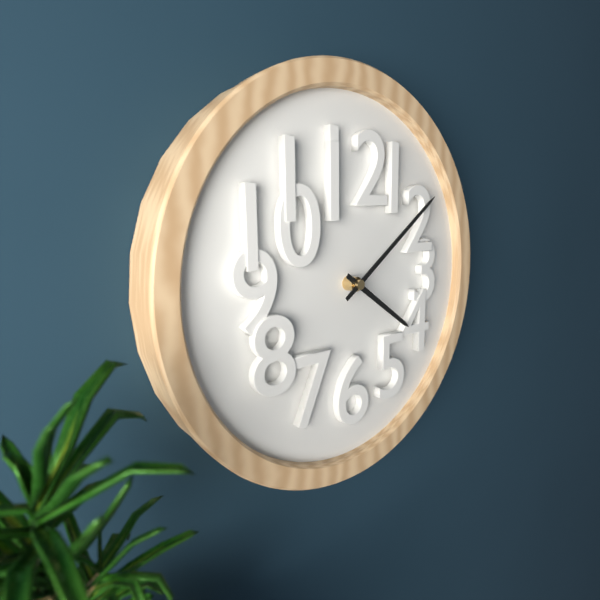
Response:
h=4 m=9
